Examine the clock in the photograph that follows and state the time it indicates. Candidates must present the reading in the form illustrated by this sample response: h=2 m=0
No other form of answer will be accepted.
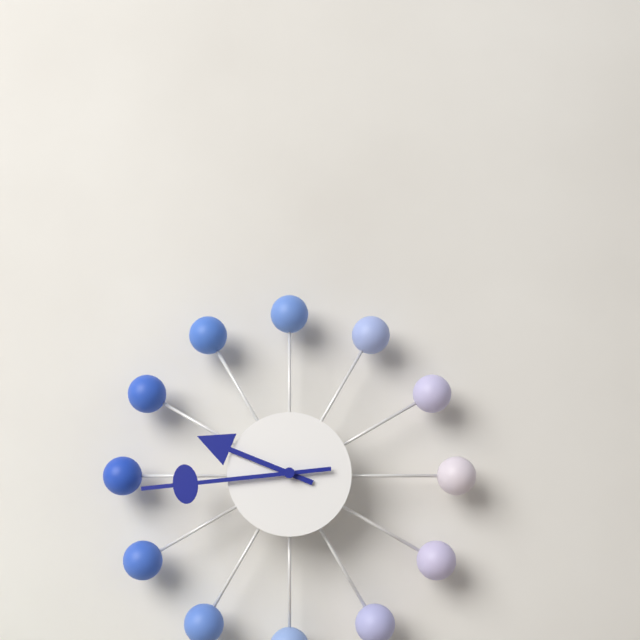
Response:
h=9 m=44
